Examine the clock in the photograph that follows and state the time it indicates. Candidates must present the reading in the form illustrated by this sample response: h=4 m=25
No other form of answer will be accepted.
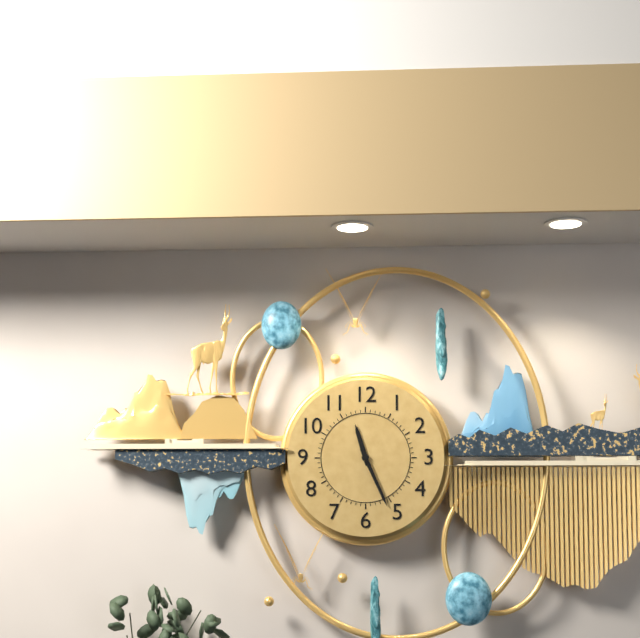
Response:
h=11 m=26
